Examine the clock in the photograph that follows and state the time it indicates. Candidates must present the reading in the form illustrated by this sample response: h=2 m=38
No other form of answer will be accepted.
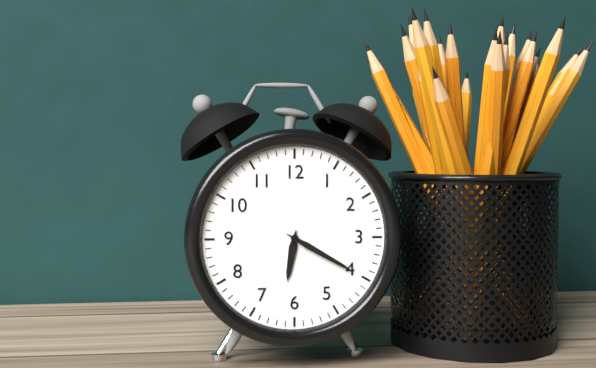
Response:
h=6 m=20
